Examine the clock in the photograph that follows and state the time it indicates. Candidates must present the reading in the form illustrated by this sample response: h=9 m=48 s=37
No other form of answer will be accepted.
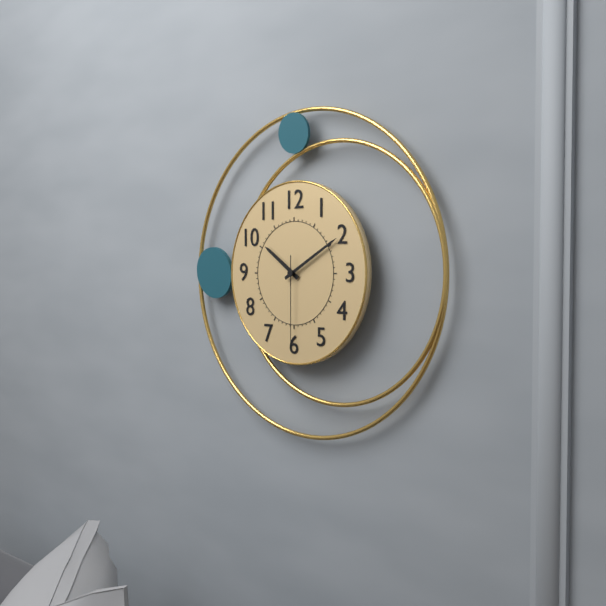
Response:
h=10 m=10 s=30
